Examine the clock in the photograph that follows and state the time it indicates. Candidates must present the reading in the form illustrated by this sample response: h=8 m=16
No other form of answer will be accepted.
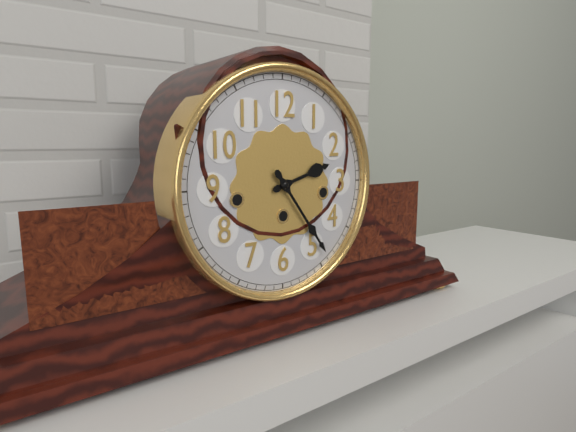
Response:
h=2 m=24
